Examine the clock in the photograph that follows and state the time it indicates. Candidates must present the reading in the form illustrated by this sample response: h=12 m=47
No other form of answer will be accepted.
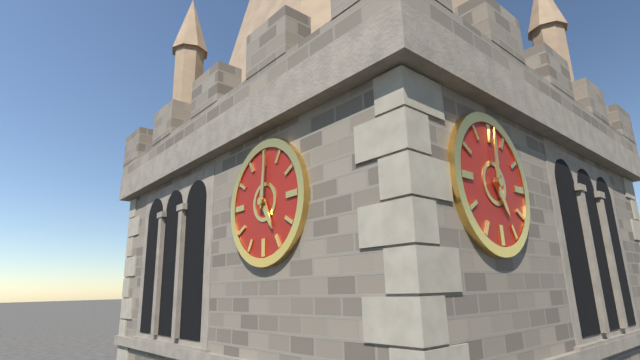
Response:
h=5 m=1
